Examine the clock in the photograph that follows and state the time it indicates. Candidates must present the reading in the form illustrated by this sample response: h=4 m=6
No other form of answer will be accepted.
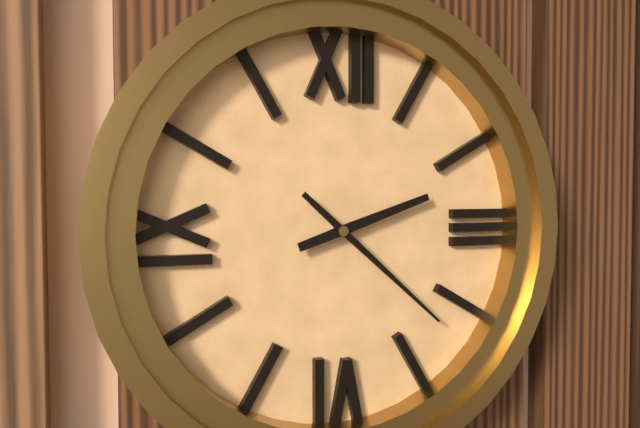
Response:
h=2 m=22
